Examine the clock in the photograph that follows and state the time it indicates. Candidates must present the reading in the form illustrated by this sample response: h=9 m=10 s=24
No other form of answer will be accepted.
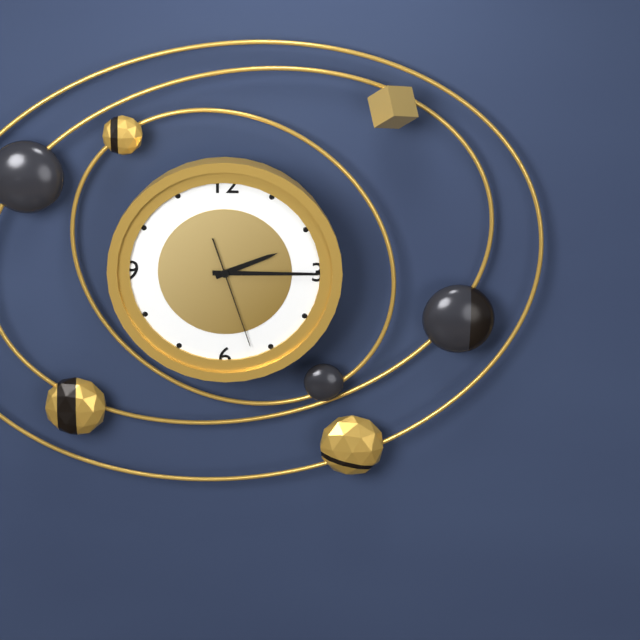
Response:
h=2 m=15 s=27
